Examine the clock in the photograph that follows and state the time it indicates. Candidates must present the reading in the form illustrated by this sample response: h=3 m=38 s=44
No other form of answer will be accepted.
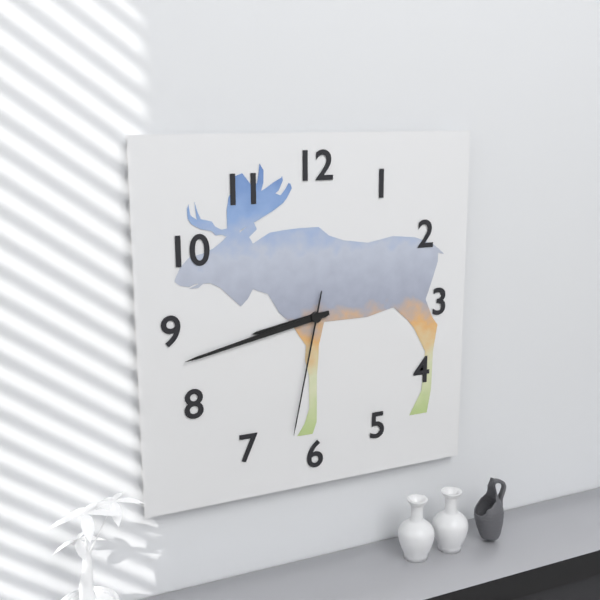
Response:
h=8 m=43 s=32
